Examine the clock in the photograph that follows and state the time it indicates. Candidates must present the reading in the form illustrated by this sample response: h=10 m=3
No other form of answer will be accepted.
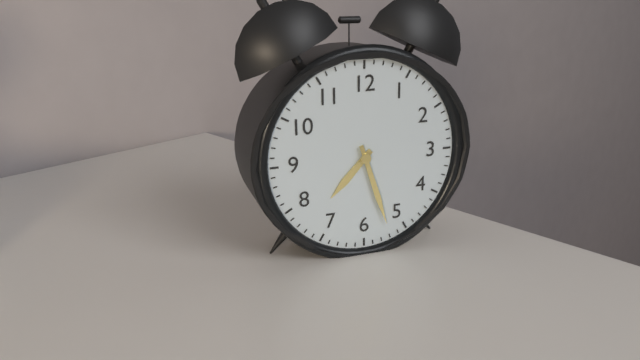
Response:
h=7 m=27
